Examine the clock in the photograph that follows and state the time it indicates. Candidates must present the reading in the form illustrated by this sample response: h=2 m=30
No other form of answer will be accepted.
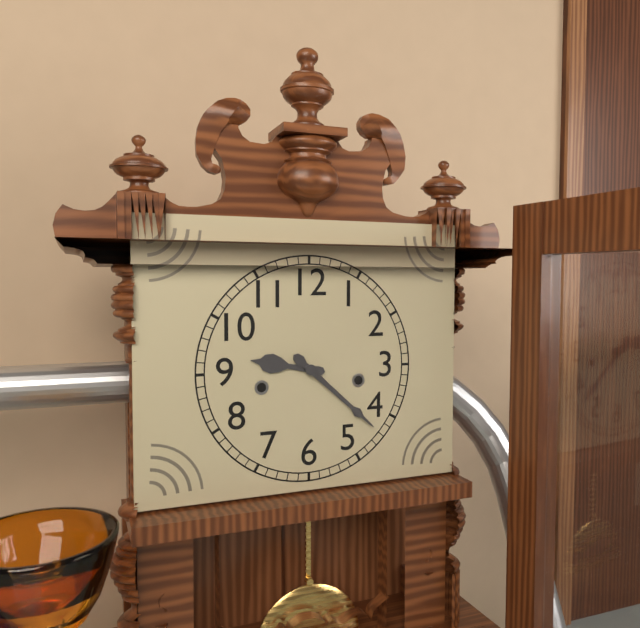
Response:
h=9 m=22
